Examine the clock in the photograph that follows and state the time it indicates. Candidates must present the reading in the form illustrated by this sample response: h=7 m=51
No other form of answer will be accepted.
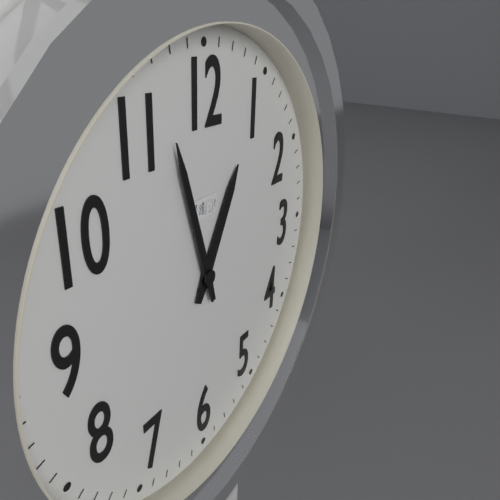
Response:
h=12 m=57
